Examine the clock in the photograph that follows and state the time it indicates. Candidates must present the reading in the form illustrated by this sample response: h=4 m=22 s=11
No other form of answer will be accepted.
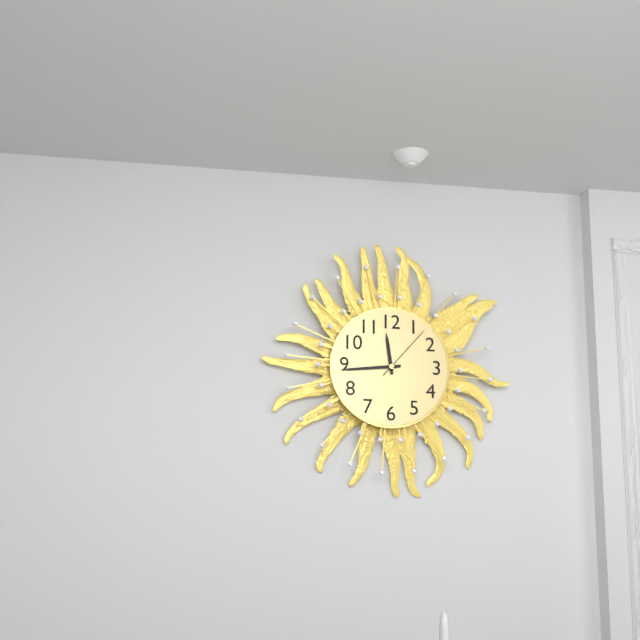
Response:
h=11 m=44 s=7
